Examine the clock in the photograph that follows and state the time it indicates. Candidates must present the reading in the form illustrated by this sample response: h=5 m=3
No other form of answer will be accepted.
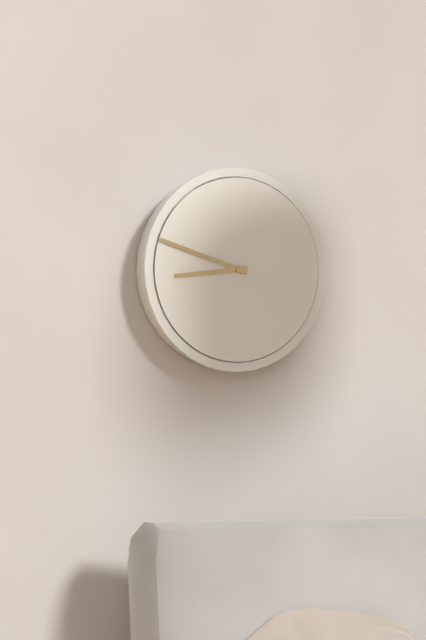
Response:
h=8 m=48
